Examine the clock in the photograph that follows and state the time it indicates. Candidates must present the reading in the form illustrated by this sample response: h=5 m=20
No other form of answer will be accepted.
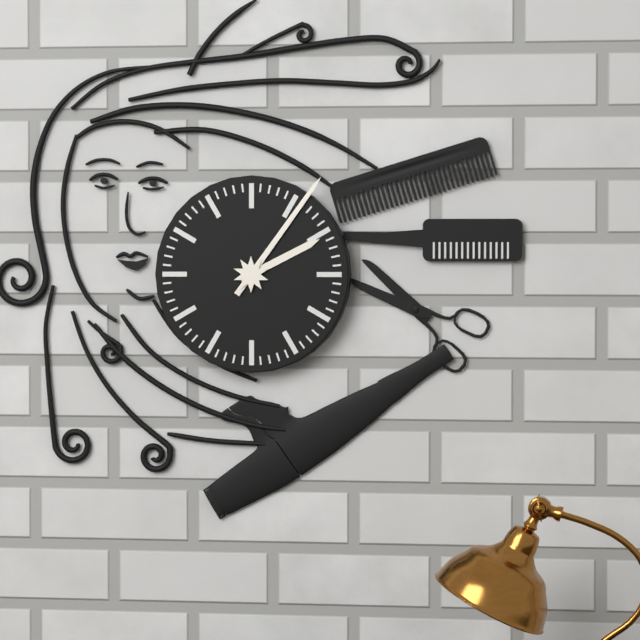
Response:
h=2 m=6
